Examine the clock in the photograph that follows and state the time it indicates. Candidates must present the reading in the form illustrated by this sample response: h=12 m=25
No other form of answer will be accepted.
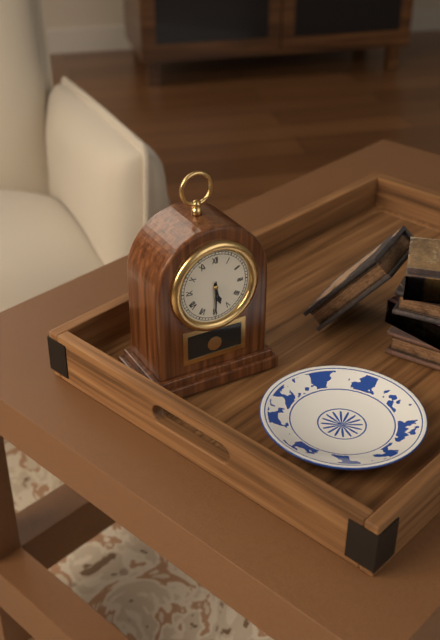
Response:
h=5 m=30
